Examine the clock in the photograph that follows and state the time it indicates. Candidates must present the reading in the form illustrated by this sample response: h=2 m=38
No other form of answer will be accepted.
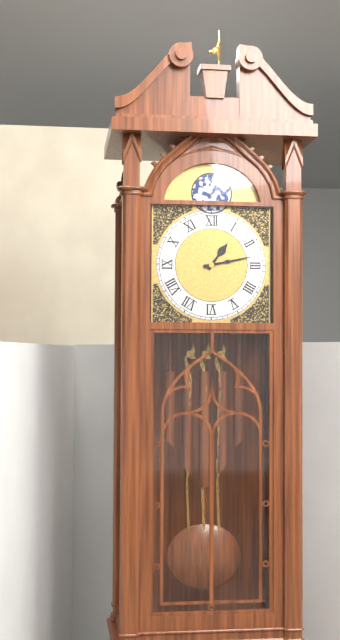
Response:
h=1 m=13
